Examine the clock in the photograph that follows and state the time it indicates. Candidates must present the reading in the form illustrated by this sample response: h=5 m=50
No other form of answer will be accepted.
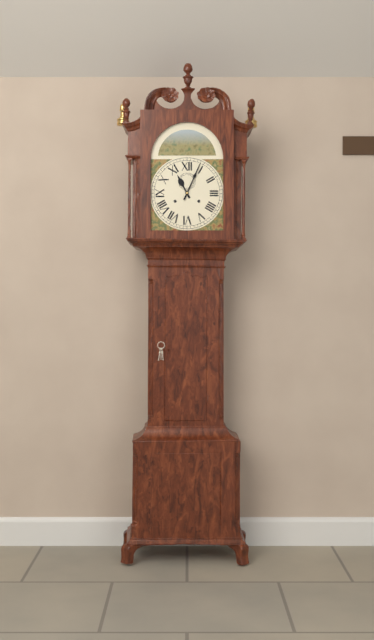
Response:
h=11 m=4
